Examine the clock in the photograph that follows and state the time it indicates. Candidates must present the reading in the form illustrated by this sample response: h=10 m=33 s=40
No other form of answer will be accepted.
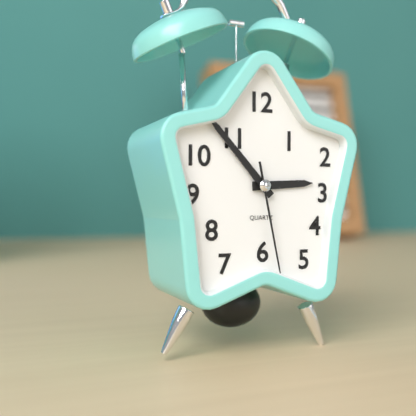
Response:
h=2 m=53 s=28
